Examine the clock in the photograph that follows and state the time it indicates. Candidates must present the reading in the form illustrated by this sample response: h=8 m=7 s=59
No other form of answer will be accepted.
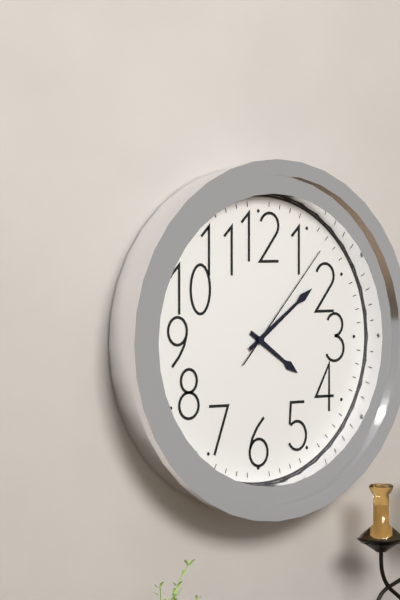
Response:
h=4 m=9 s=7
